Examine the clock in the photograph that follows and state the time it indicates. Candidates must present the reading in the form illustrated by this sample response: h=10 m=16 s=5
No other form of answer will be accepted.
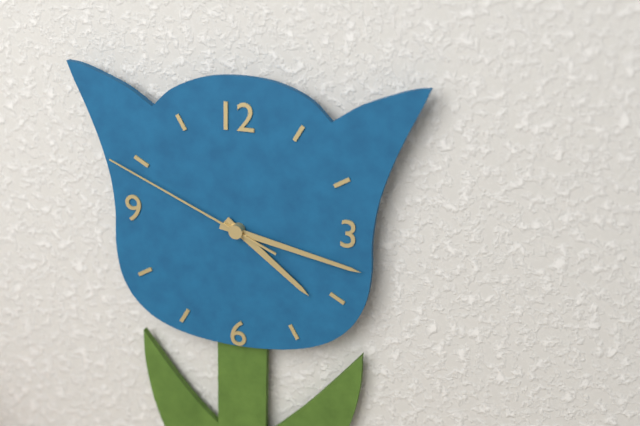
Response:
h=4 m=17 s=49
